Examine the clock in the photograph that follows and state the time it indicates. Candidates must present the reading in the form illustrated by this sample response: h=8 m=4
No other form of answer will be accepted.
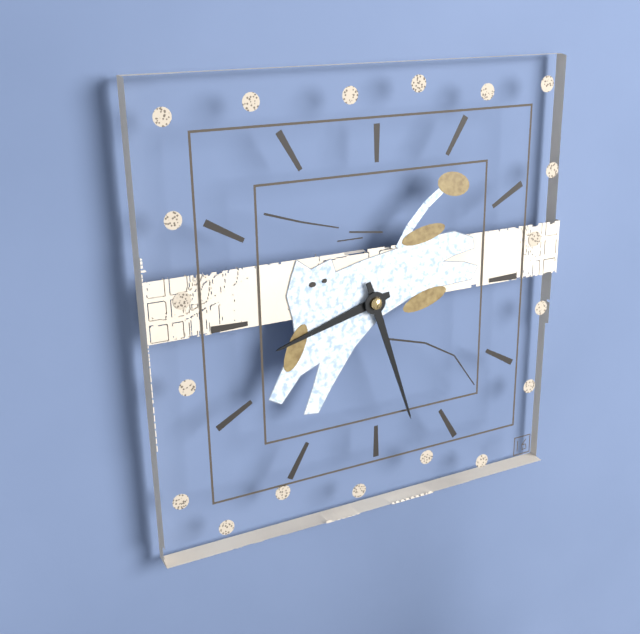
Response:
h=8 m=27
